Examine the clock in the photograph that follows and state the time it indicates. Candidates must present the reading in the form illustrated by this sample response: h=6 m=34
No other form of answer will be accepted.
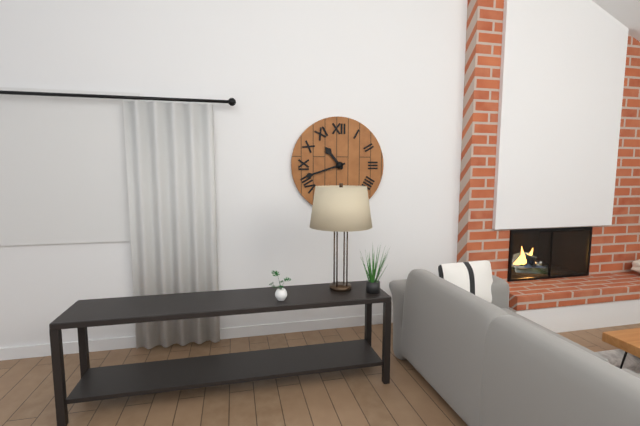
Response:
h=10 m=42
